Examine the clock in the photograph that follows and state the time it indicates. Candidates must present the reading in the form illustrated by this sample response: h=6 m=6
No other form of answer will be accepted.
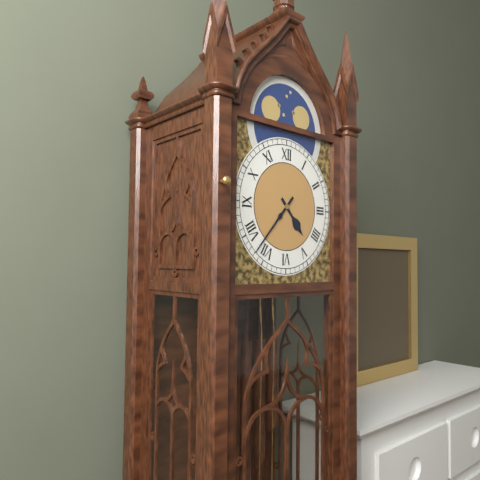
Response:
h=4 m=37
